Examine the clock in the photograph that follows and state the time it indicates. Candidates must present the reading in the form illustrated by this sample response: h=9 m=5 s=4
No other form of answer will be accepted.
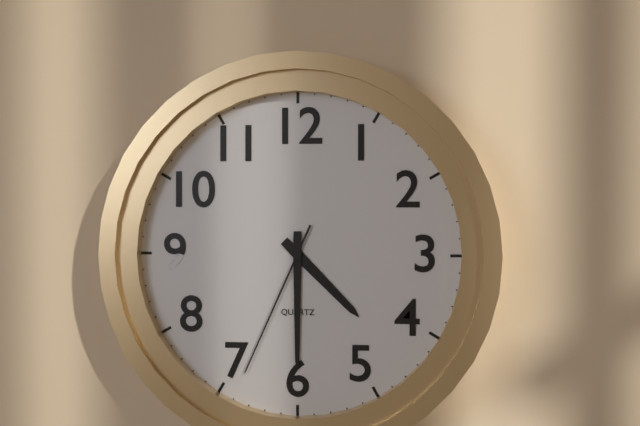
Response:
h=4 m=30 s=34
